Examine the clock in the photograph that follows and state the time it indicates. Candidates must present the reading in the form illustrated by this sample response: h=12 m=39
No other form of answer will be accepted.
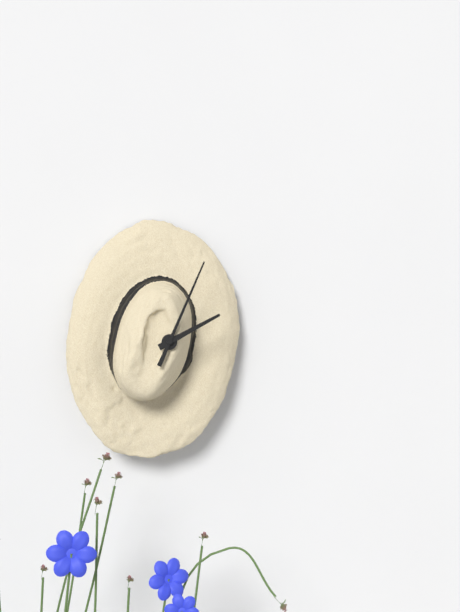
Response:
h=2 m=4
